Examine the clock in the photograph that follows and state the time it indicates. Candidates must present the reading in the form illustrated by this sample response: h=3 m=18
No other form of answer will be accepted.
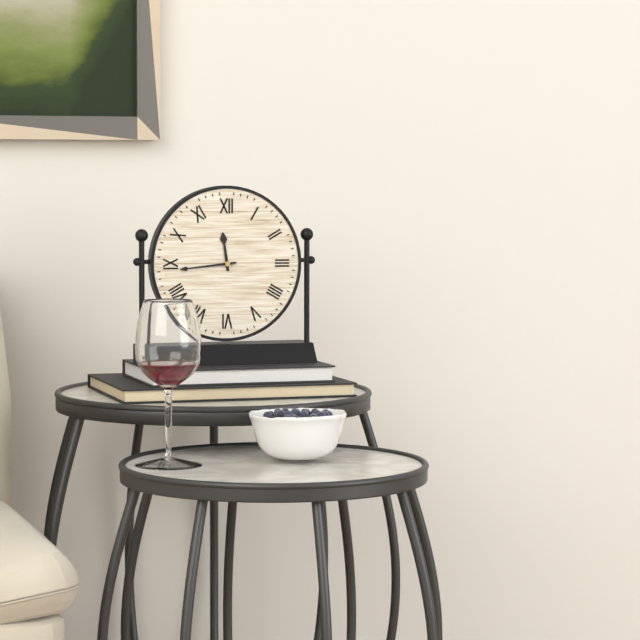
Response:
h=11 m=44
